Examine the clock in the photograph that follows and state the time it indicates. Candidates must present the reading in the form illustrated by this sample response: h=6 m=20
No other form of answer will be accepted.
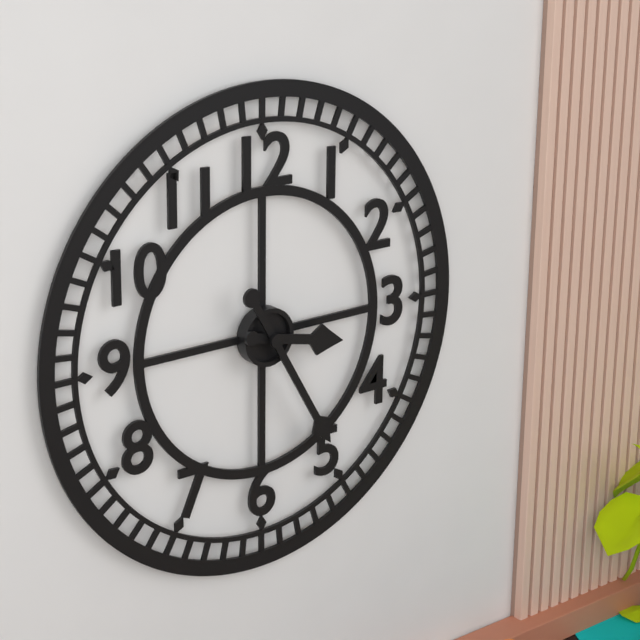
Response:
h=3 m=25
